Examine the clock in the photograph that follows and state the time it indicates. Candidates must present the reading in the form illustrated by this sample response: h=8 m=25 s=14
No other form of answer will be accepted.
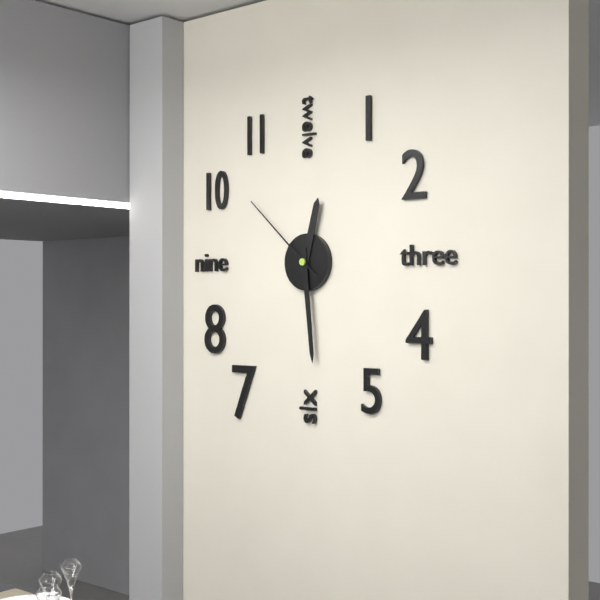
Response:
h=12 m=29 s=52
